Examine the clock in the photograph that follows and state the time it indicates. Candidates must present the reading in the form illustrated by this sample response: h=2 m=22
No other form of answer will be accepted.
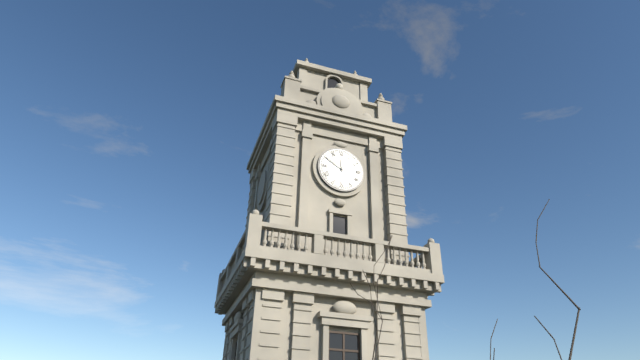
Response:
h=11 m=50
